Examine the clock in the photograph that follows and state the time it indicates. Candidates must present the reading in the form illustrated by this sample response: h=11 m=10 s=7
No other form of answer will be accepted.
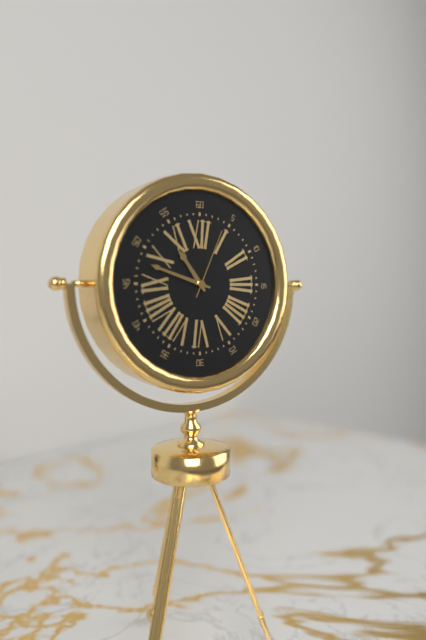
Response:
h=10 m=48 s=4
